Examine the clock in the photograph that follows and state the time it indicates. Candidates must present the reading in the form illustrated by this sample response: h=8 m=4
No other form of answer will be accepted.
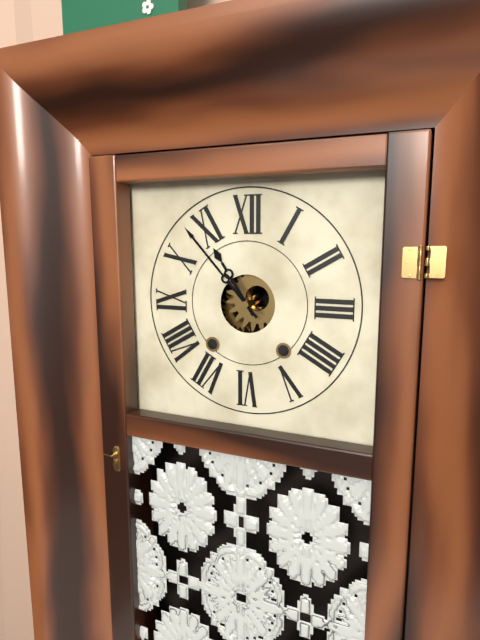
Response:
h=10 m=53
